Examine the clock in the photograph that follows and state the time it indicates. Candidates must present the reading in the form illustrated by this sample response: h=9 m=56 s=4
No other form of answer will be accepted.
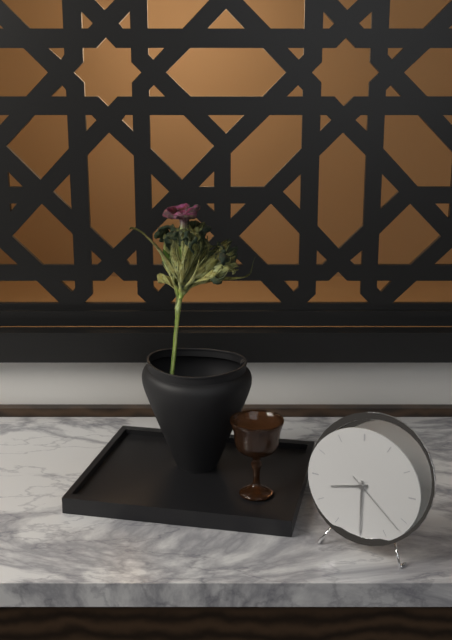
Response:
h=8 m=30 s=22
